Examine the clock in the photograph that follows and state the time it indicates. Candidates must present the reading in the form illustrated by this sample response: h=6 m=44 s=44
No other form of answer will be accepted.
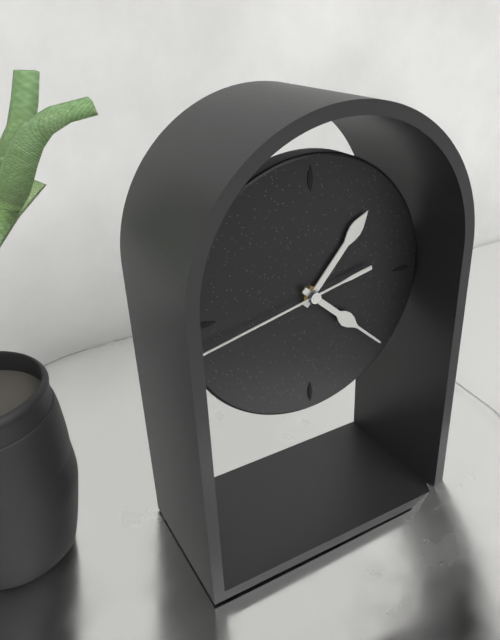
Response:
h=1 m=22 s=43
